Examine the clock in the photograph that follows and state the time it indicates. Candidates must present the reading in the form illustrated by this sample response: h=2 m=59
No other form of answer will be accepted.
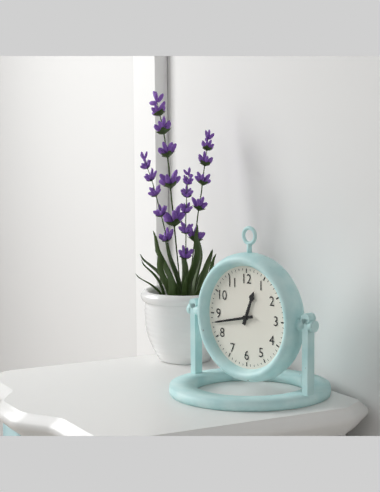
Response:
h=12 m=43
